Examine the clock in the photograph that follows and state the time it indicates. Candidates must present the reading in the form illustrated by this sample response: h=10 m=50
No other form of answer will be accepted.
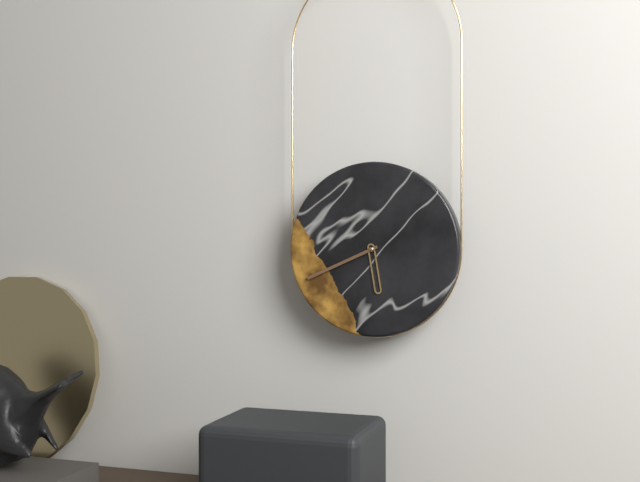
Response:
h=5 m=41
